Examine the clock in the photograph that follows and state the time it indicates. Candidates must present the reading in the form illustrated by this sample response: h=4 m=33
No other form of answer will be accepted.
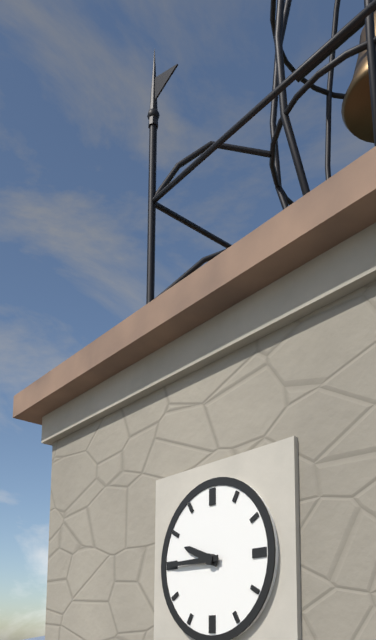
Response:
h=9 m=45
